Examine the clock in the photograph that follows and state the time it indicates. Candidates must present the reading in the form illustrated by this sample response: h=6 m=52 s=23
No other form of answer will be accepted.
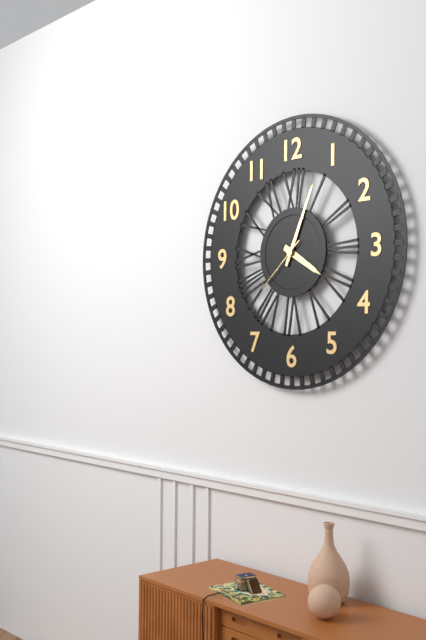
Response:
h=4 m=4 s=38
